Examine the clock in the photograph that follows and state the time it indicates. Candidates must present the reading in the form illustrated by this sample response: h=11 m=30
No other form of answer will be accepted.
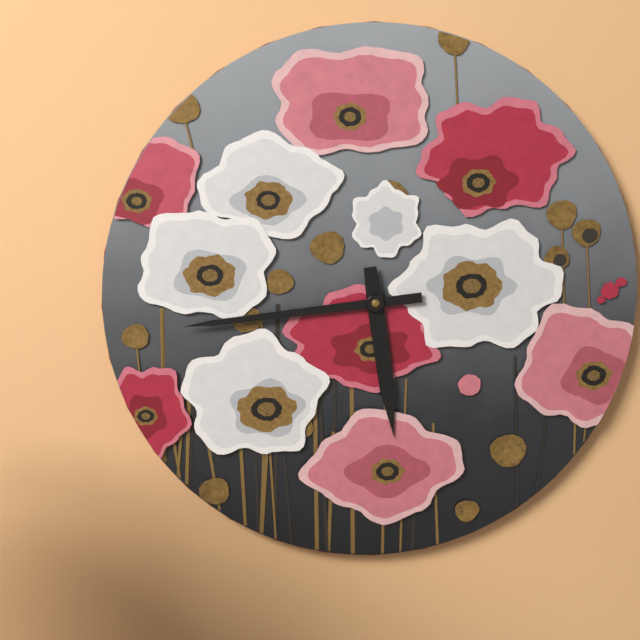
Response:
h=5 m=44
